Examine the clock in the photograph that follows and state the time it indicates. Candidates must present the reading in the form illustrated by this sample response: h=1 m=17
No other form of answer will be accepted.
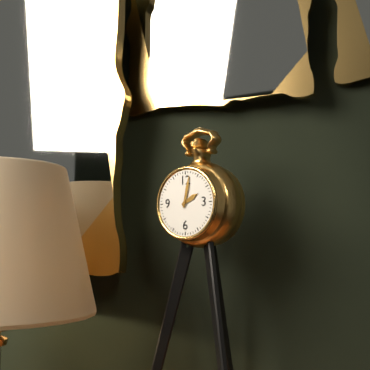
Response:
h=2 m=2
